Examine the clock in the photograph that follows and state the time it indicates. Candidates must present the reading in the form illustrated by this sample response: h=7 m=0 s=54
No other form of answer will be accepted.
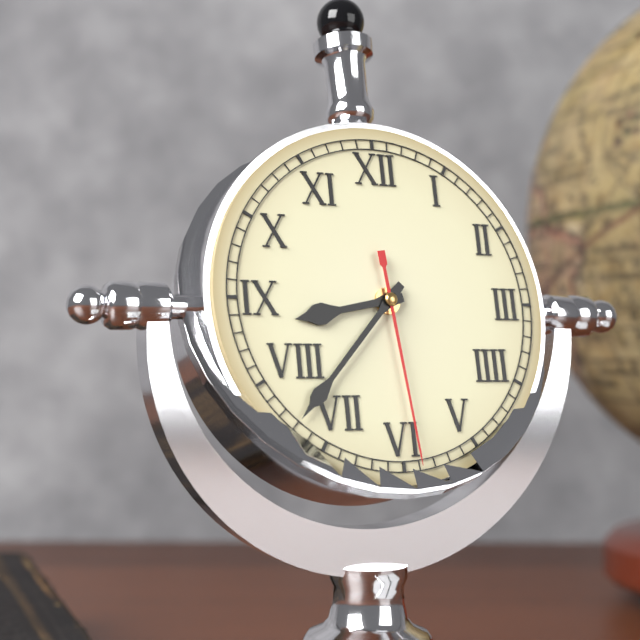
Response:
h=8 m=37 s=29
